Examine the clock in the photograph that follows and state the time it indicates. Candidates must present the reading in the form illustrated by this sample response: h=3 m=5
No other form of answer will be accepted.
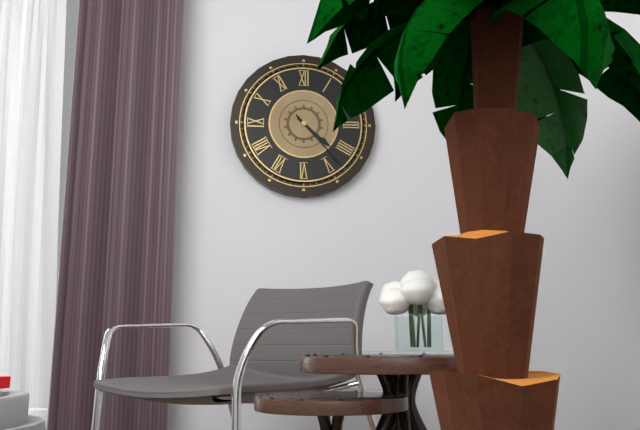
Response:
h=4 m=23
